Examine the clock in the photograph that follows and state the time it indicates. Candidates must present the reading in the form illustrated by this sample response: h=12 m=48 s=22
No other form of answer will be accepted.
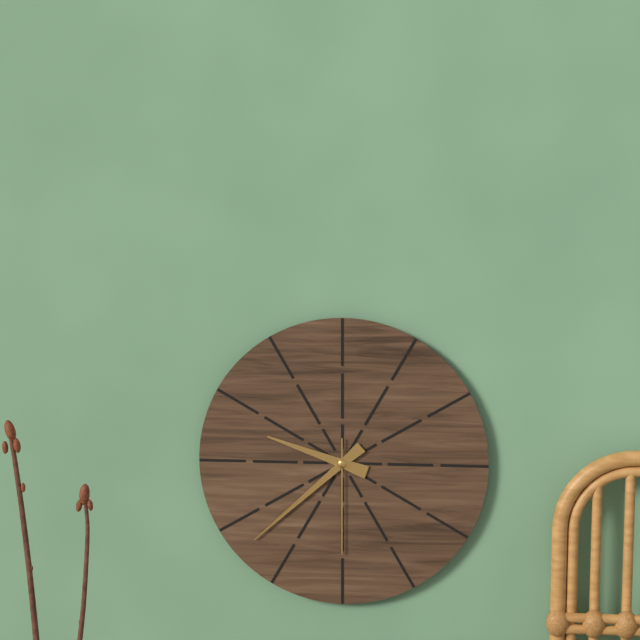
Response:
h=9 m=38 s=30
